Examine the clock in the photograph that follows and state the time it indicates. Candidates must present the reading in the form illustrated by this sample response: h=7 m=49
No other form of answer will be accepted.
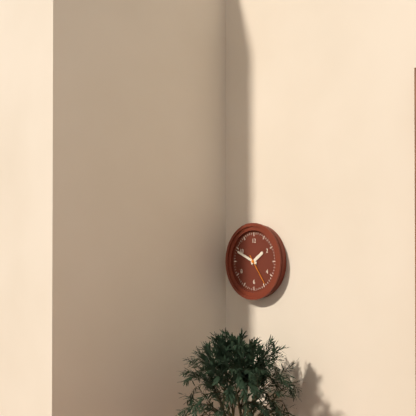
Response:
h=1 m=49
